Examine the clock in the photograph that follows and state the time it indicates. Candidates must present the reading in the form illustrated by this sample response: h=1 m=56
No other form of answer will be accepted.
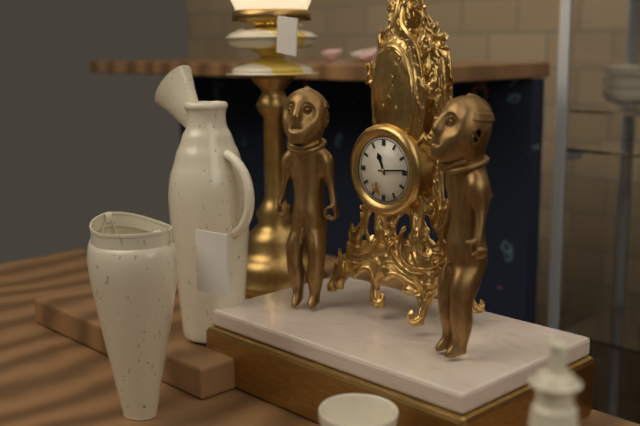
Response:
h=11 m=14
